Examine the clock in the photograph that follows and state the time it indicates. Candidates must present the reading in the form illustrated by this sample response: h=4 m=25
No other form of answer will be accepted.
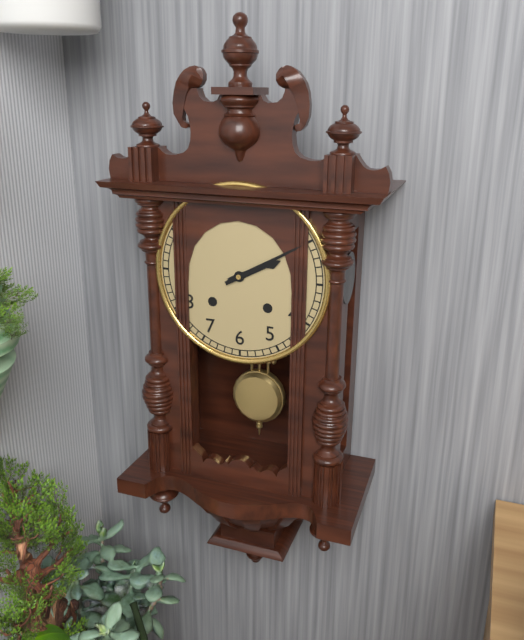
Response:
h=2 m=10
